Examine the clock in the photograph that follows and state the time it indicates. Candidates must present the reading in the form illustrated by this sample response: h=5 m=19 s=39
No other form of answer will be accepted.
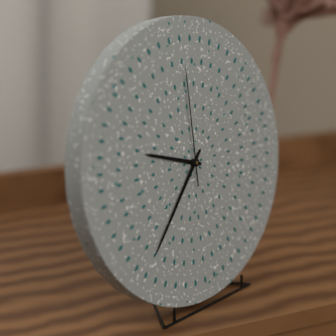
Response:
h=9 m=37 s=0
